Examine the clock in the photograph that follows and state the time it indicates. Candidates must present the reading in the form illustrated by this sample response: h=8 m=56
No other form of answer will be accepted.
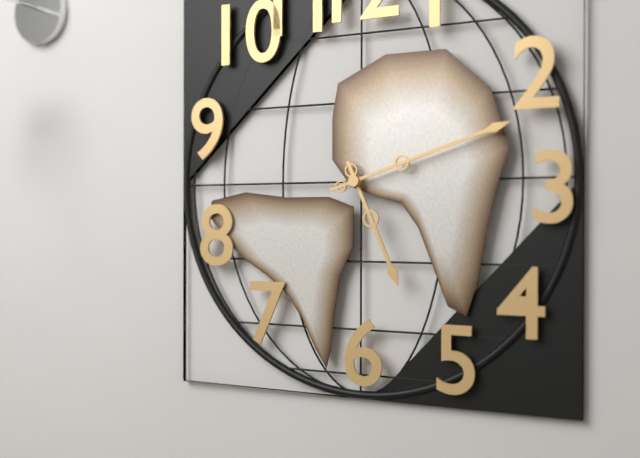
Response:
h=5 m=12
